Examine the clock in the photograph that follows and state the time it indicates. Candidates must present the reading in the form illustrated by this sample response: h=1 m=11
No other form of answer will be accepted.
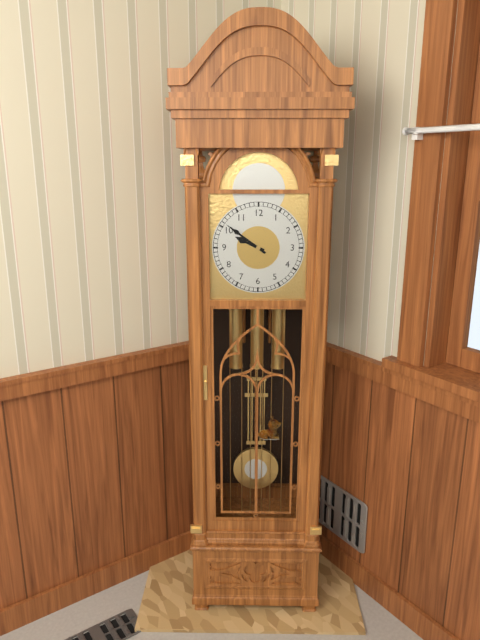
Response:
h=9 m=51
